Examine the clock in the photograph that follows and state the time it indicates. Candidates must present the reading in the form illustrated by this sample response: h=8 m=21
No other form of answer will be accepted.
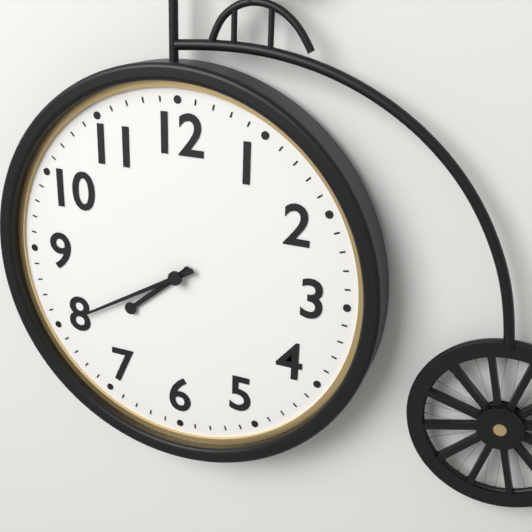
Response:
h=7 m=40
